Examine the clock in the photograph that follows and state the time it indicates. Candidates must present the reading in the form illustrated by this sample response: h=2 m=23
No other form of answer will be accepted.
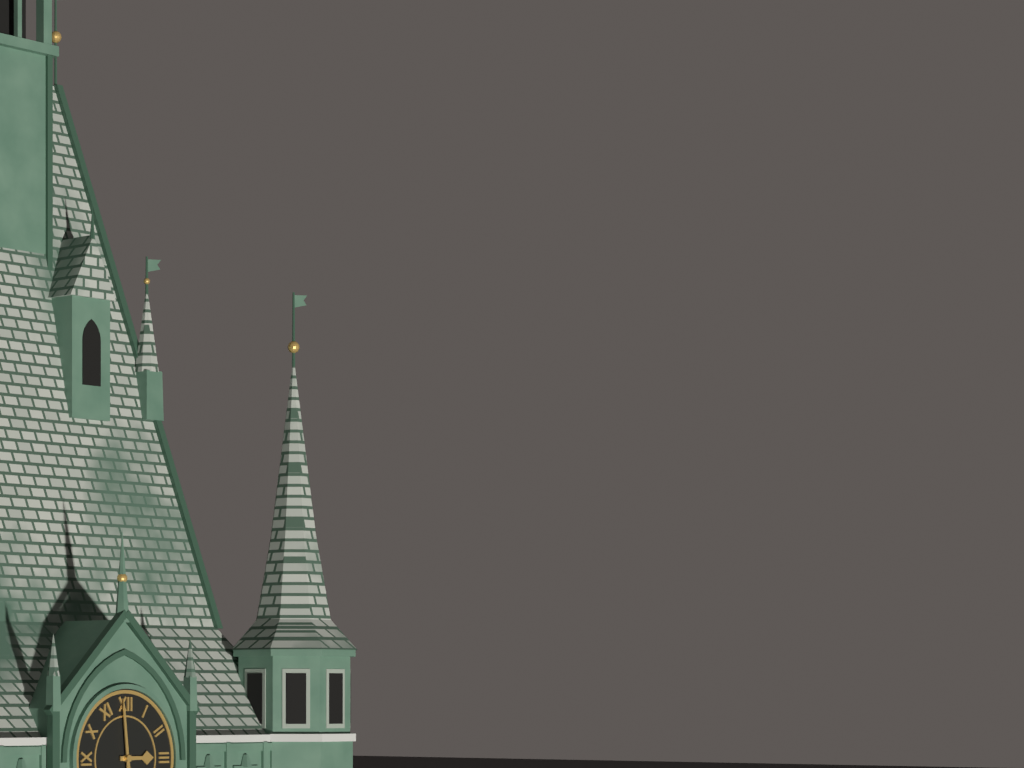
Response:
h=2 m=59
